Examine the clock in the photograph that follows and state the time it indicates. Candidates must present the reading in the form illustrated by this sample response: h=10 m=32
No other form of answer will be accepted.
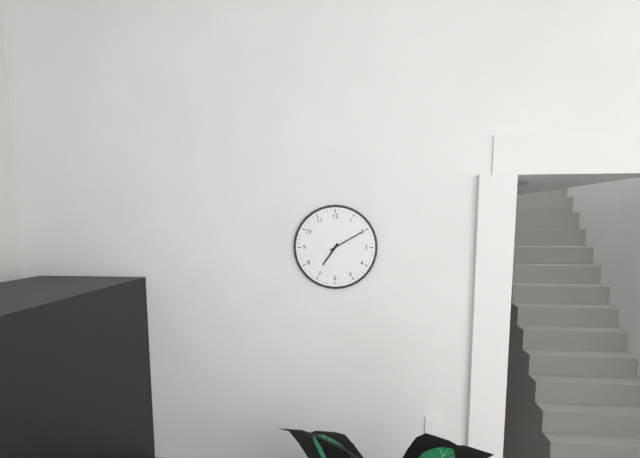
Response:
h=7 m=10
